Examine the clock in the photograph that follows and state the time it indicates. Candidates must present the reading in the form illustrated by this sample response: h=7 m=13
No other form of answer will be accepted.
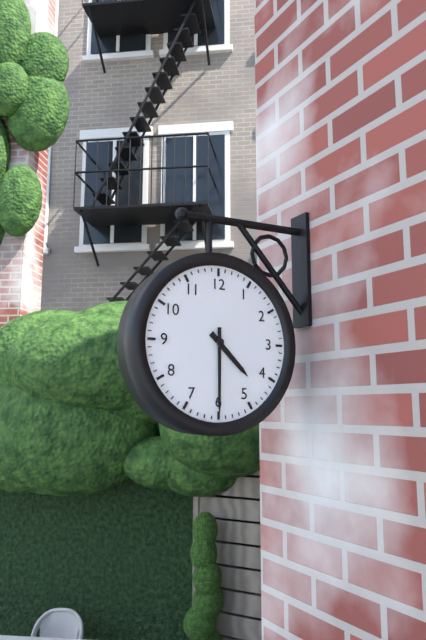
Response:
h=4 m=30
